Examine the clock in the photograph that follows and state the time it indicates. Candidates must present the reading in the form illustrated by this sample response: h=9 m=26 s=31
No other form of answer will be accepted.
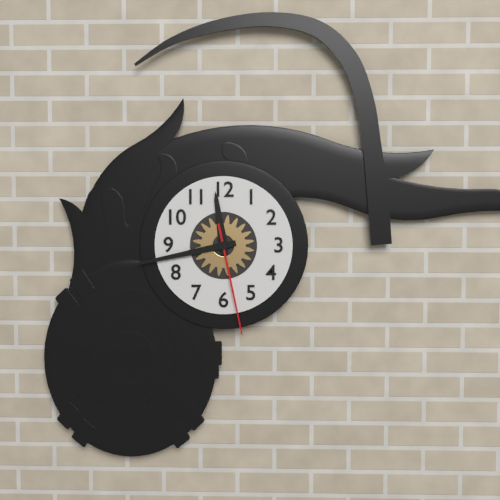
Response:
h=11 m=43 s=28
